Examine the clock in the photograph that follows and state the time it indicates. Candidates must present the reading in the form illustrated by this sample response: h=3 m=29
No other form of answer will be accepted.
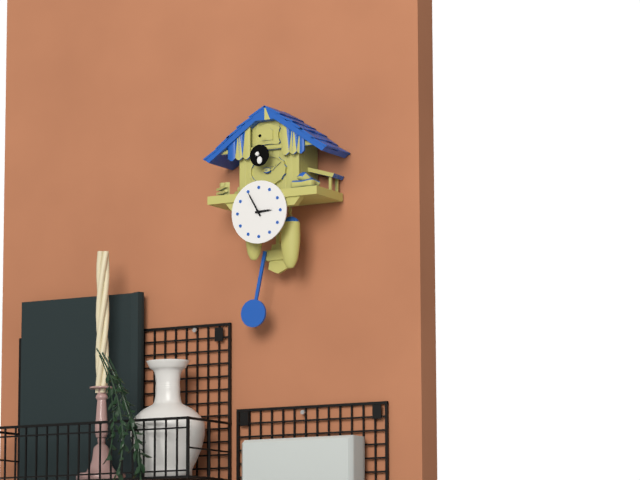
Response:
h=2 m=55
